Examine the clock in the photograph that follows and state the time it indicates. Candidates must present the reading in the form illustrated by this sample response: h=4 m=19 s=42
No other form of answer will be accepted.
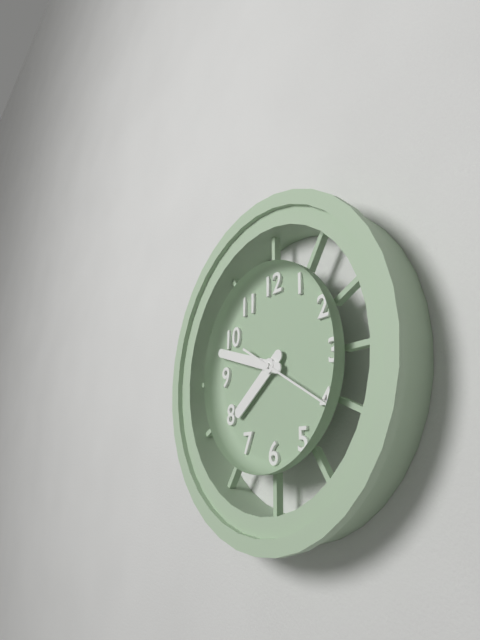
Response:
h=7 m=48 s=20
